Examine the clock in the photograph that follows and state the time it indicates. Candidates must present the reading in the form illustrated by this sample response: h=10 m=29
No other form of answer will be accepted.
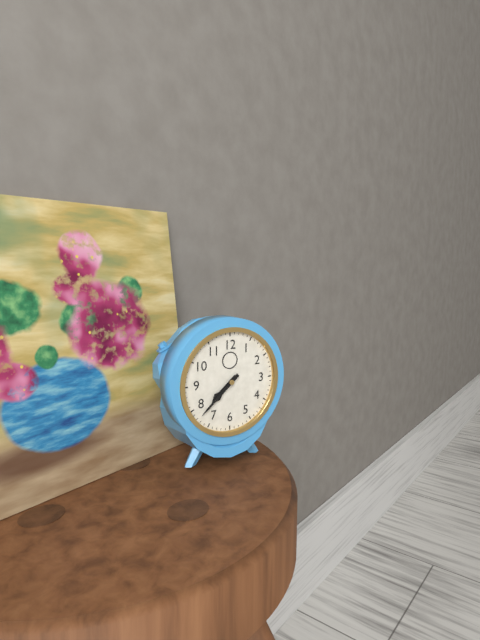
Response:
h=7 m=38
